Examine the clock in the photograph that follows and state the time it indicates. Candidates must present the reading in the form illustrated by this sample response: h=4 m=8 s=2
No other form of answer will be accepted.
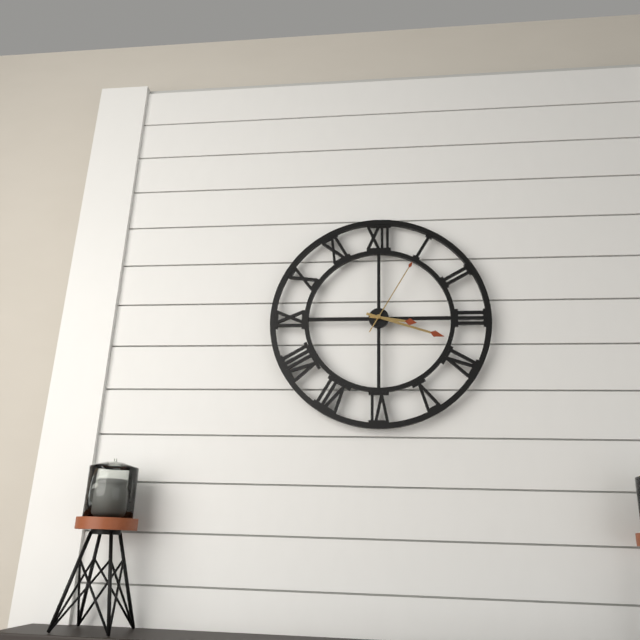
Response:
h=3 m=18 s=5
